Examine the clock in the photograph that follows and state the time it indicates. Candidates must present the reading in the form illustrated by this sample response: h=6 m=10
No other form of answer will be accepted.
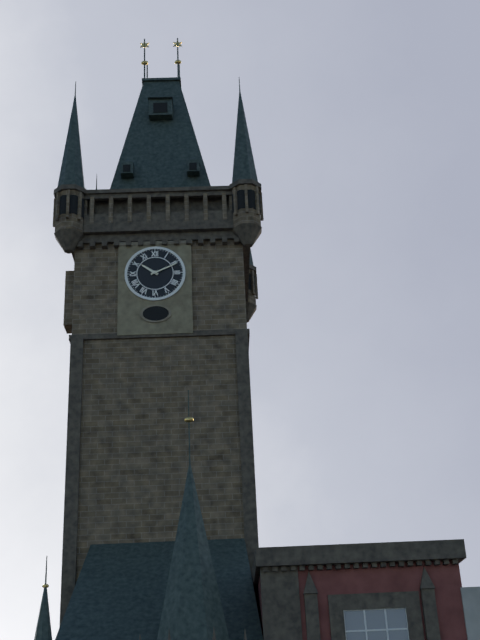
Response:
h=10 m=11
